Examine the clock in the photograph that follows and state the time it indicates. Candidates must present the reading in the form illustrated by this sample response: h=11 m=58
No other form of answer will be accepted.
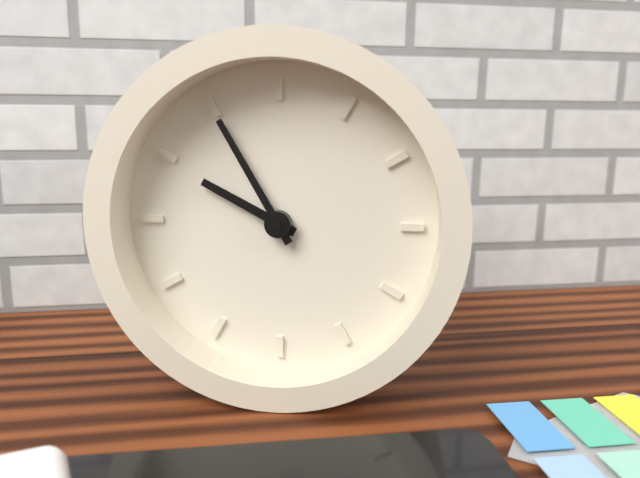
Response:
h=9 m=55
